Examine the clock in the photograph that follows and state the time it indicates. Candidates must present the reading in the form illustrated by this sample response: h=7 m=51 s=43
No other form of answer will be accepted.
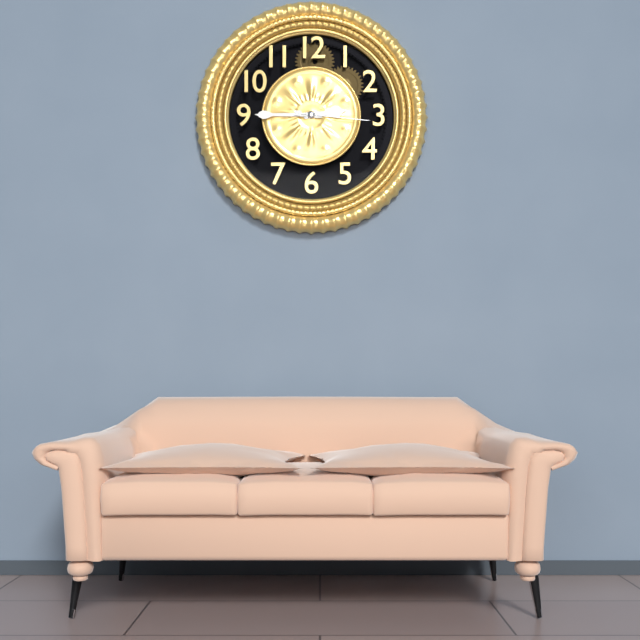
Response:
h=2 m=45 s=16
